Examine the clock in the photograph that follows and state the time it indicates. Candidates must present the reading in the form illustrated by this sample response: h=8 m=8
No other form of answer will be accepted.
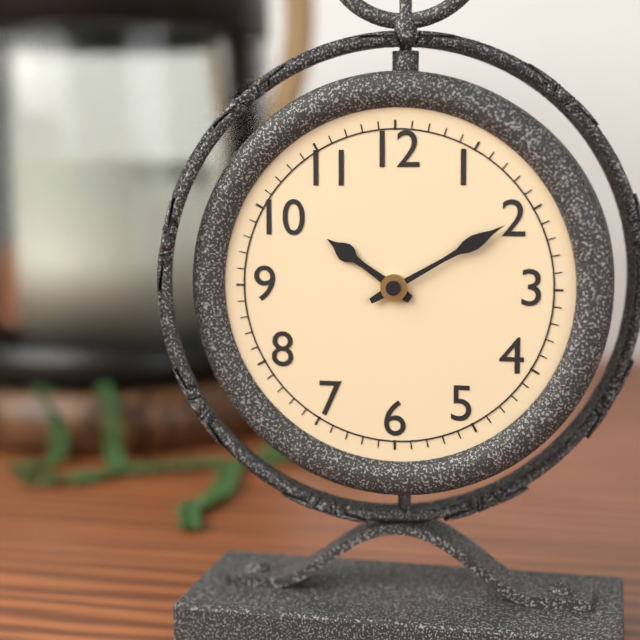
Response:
h=10 m=10
